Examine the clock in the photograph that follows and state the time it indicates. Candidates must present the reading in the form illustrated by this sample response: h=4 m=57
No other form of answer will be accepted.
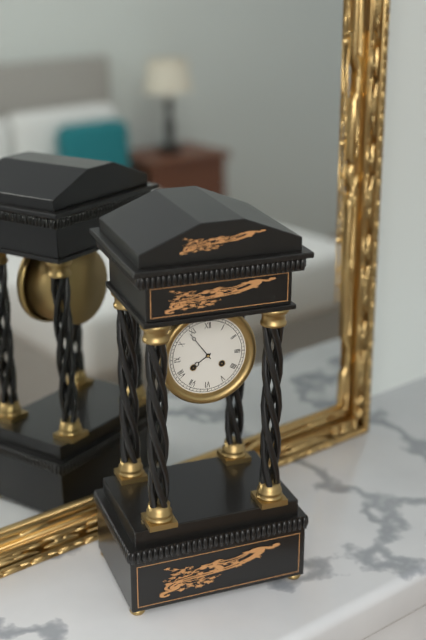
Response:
h=7 m=54
